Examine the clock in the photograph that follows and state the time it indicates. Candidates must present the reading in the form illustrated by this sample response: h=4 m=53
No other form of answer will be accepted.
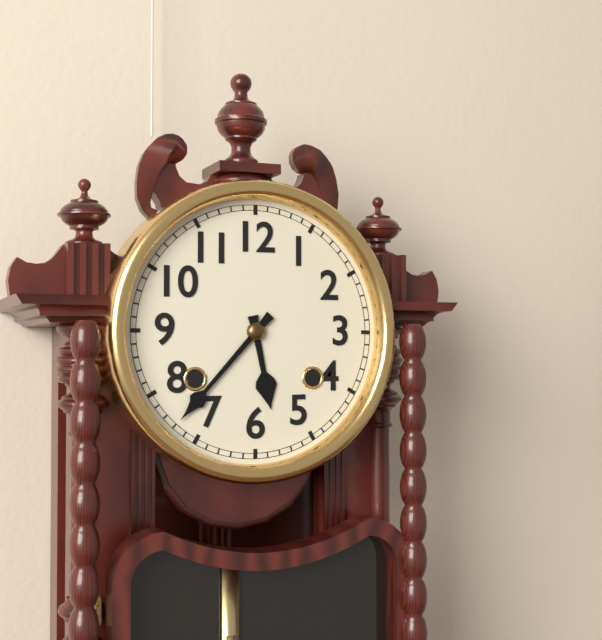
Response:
h=5 m=37
